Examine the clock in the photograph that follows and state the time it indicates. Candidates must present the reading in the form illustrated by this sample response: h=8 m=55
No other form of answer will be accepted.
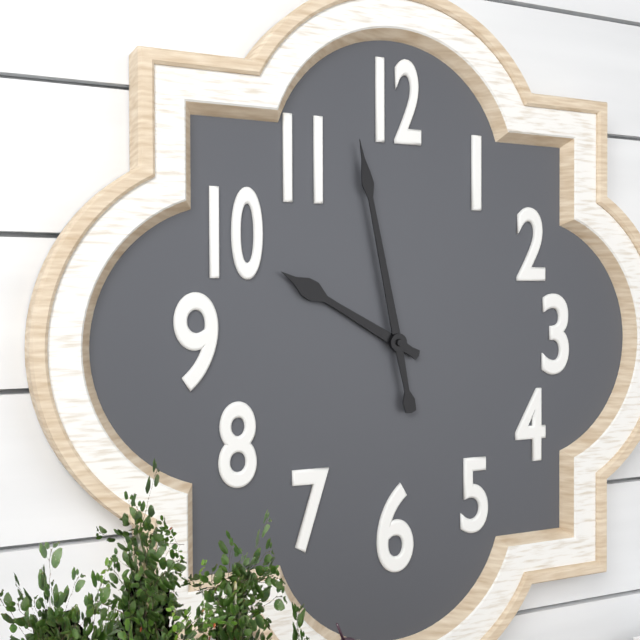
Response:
h=9 m=58
